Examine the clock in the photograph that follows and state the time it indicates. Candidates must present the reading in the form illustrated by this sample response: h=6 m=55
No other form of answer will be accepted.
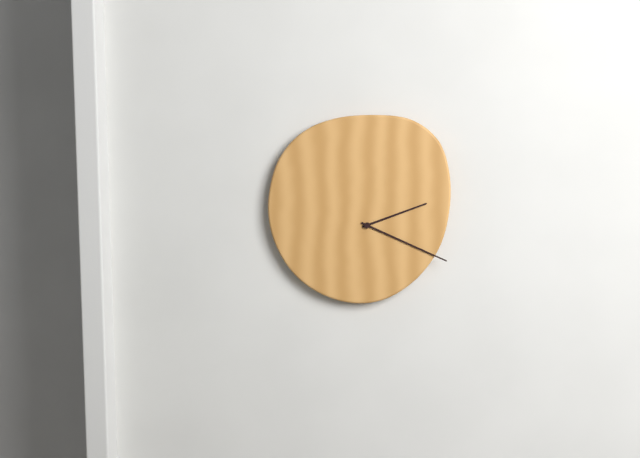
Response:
h=2 m=19
